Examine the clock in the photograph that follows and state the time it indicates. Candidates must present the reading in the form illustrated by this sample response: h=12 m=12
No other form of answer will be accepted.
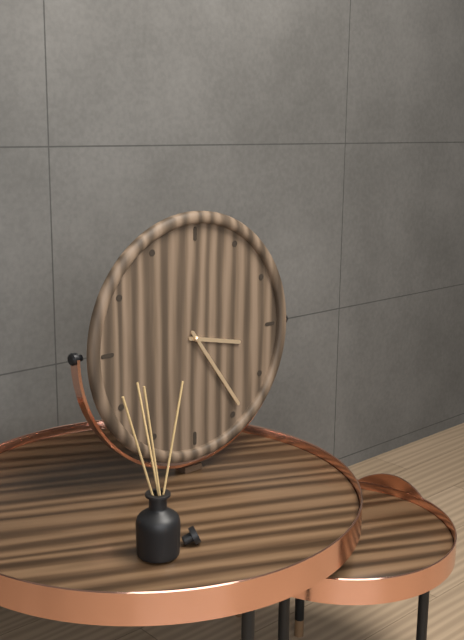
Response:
h=3 m=24
